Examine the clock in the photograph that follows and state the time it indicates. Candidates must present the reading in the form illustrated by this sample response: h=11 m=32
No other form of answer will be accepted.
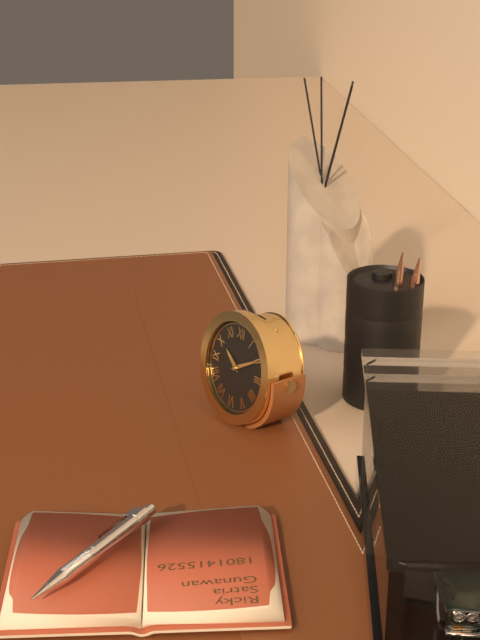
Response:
h=10 m=10
